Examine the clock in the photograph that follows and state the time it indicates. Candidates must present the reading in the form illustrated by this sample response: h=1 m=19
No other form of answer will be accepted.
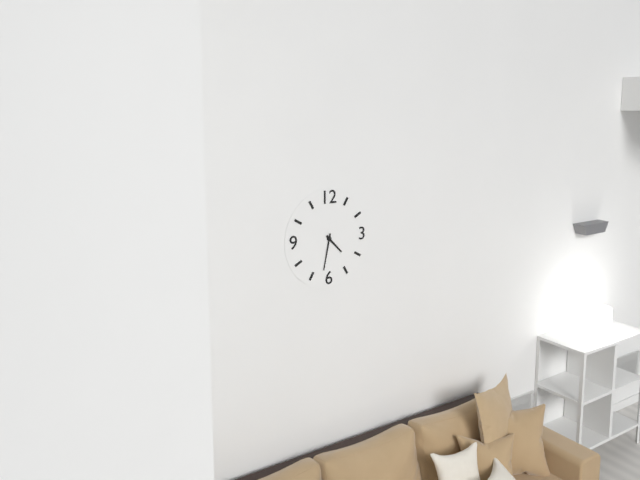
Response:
h=4 m=32
